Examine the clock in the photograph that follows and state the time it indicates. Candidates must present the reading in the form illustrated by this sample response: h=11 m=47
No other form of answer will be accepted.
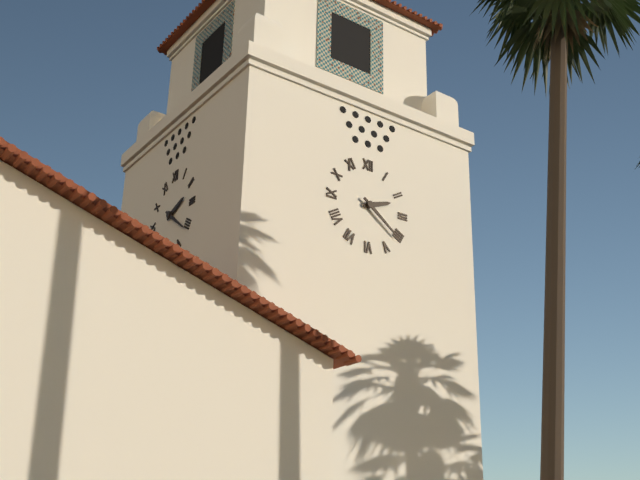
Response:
h=2 m=21
